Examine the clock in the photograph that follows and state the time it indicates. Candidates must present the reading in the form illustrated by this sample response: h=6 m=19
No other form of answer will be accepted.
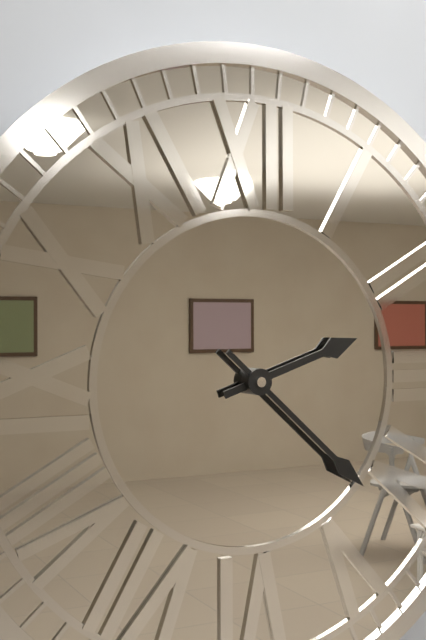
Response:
h=2 m=22
